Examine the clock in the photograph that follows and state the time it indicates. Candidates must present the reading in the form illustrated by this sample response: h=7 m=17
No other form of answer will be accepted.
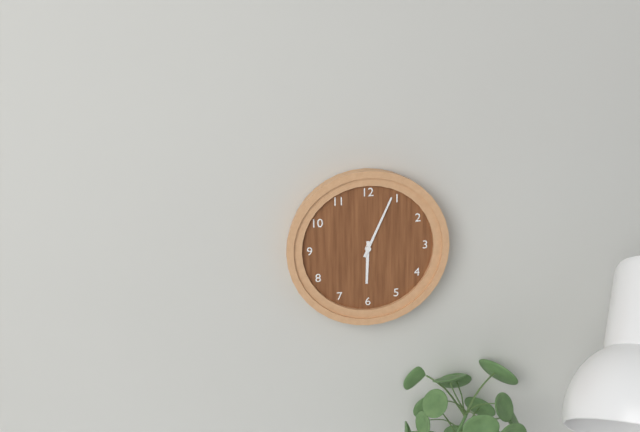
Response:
h=6 m=4
